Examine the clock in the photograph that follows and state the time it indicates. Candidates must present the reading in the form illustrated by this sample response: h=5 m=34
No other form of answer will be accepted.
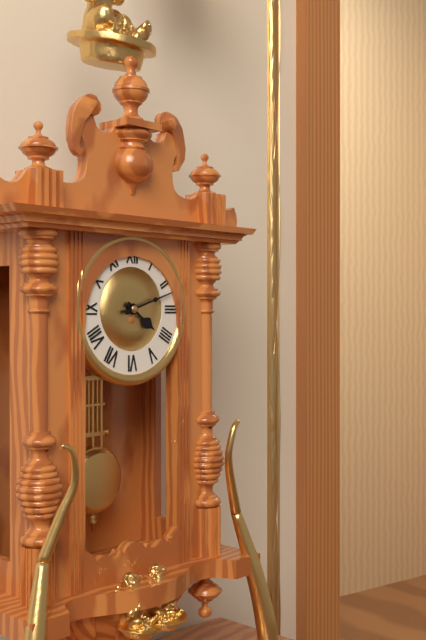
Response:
h=4 m=12
